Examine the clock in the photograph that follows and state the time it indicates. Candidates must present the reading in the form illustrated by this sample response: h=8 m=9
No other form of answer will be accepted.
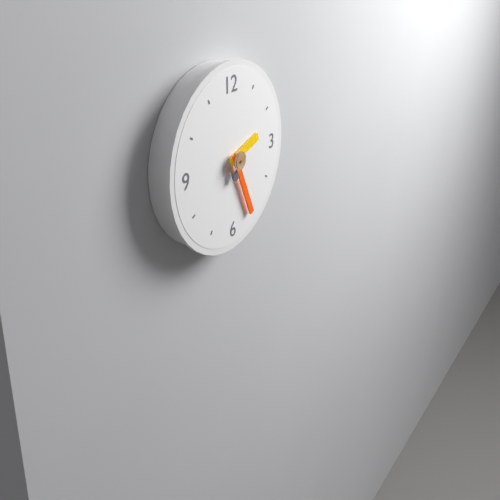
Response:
h=2 m=26
